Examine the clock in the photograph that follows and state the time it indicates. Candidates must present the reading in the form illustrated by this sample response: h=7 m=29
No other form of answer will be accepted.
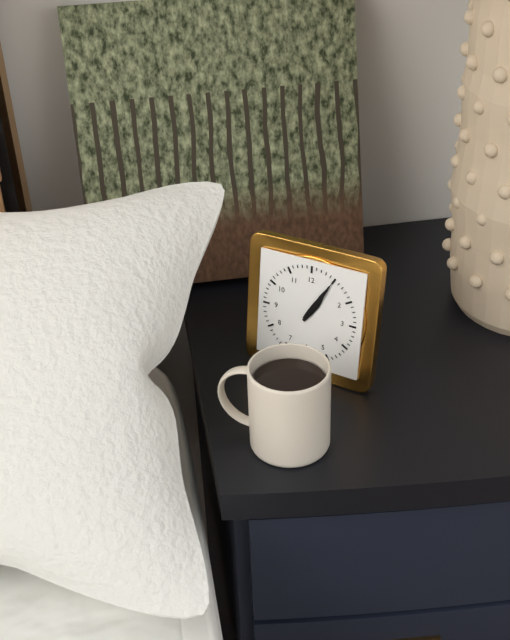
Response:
h=1 m=5
